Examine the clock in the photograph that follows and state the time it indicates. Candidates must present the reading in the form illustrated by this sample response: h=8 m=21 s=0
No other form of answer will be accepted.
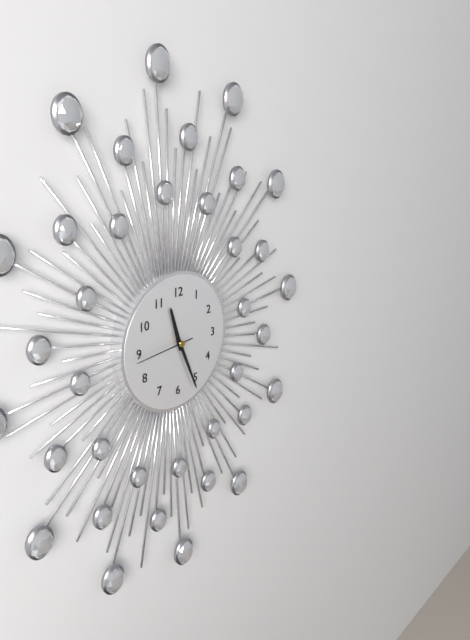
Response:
h=11 m=26 s=44
